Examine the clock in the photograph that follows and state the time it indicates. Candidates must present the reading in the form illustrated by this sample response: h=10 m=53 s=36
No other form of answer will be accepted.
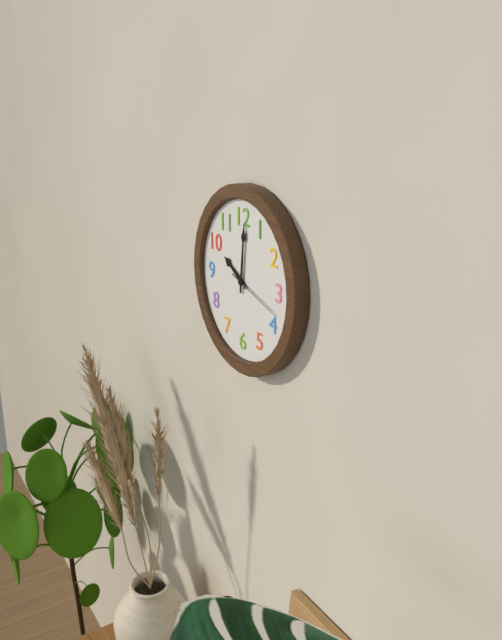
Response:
h=10 m=1 s=18
